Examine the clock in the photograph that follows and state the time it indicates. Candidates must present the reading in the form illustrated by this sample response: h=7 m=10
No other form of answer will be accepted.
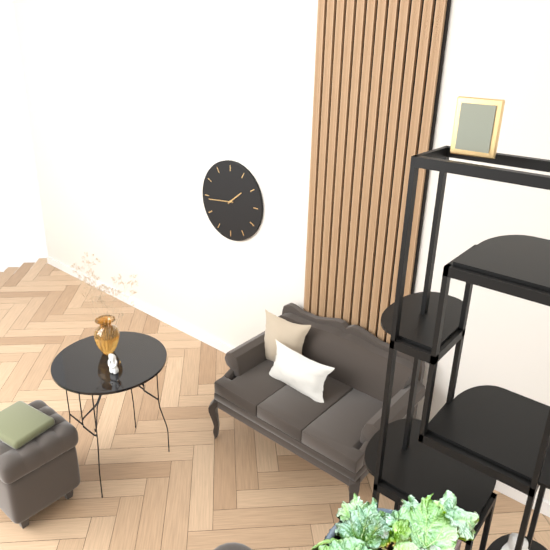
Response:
h=1 m=44
